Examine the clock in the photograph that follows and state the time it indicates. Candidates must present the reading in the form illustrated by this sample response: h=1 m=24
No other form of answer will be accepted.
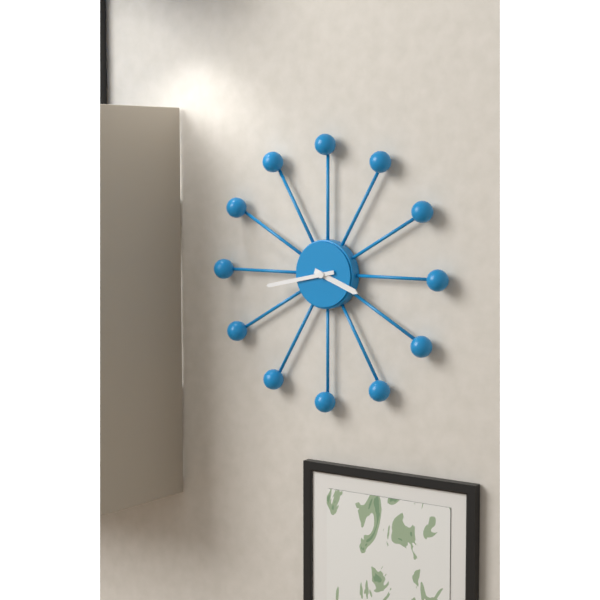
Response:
h=3 m=43
